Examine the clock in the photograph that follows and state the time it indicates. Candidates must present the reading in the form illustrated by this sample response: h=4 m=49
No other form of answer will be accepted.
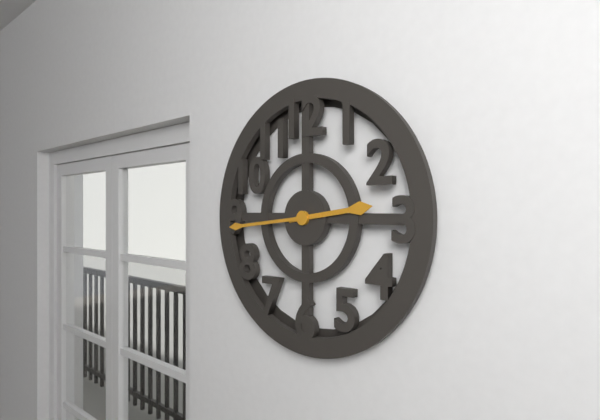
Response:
h=2 m=44
